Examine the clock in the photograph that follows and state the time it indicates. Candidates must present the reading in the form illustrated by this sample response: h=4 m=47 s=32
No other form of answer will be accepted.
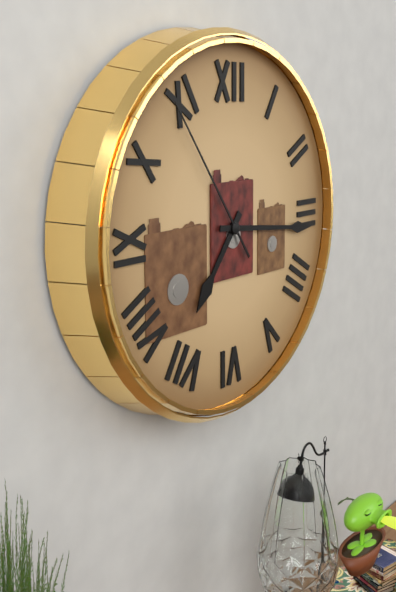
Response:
h=7 m=16 s=54
